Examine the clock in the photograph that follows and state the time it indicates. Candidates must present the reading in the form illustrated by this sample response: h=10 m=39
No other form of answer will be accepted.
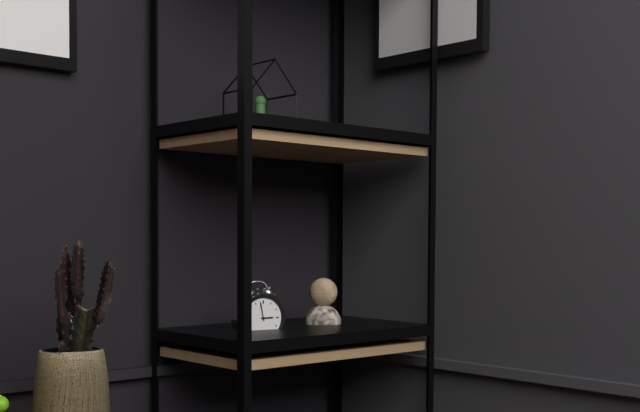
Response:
h=2 m=58
